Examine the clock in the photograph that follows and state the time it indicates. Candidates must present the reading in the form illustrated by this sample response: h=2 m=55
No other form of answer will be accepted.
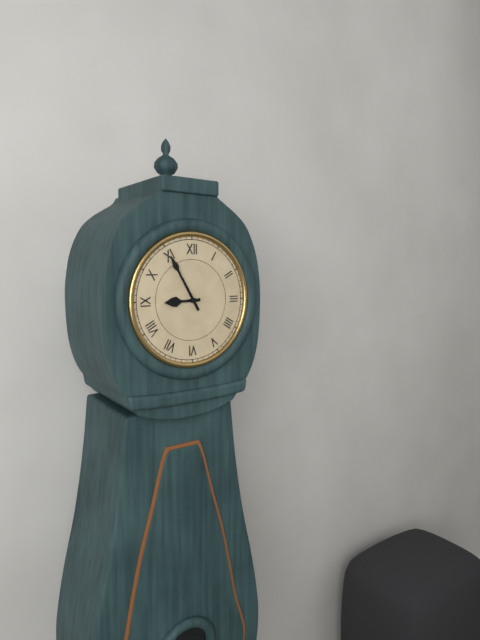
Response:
h=8 m=55
